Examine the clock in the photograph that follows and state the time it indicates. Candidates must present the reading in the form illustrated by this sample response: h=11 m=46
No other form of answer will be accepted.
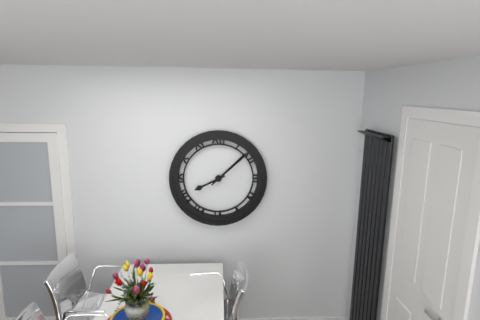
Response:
h=8 m=8
